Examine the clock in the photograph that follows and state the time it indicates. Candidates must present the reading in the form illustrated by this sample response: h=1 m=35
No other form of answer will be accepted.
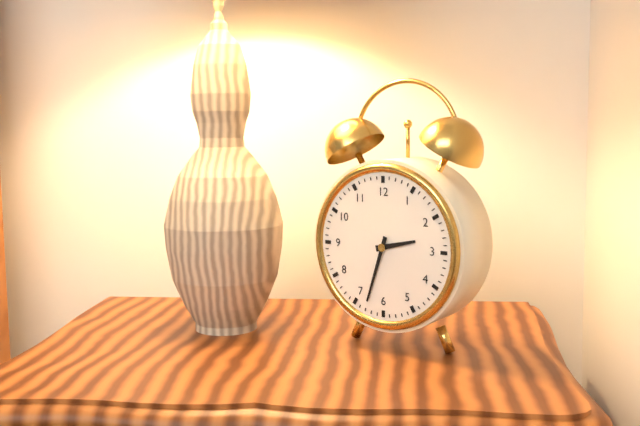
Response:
h=2 m=33
